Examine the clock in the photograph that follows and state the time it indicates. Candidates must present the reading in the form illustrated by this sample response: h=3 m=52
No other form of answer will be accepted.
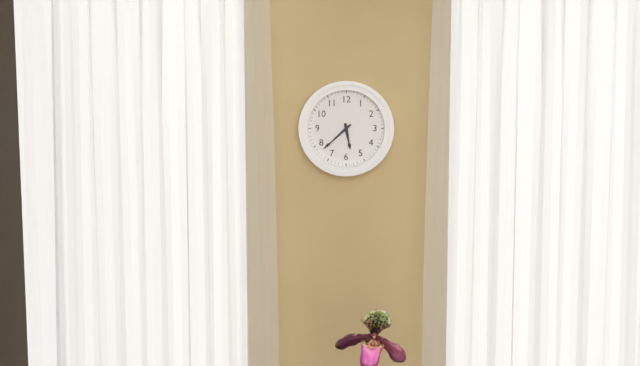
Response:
h=5 m=38
